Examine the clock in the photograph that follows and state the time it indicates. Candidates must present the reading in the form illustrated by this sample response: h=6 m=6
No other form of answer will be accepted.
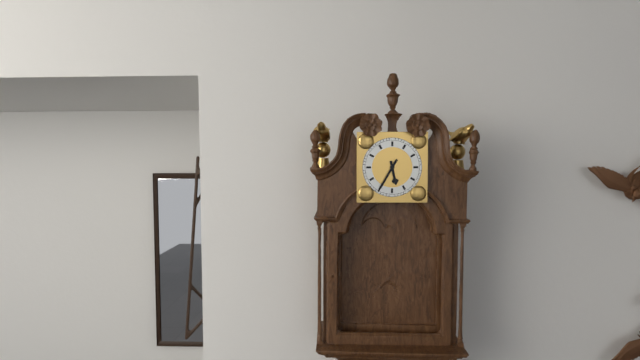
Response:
h=5 m=35
